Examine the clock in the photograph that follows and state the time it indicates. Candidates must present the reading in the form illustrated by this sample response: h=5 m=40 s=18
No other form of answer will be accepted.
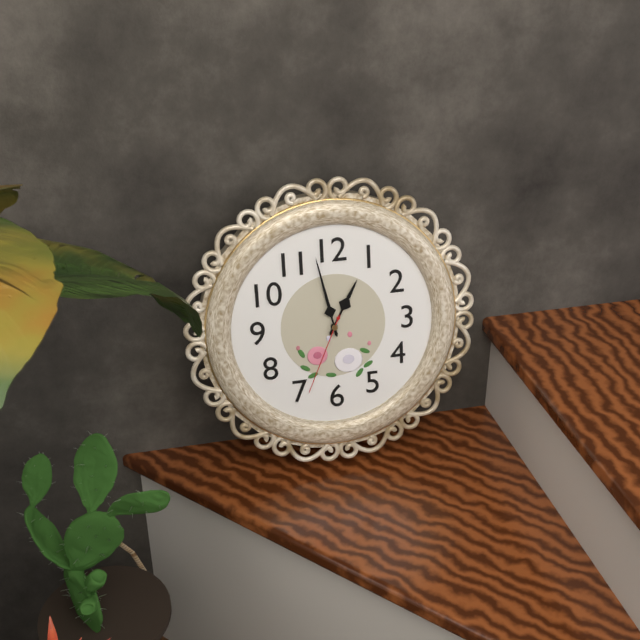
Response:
h=12 m=58 s=34
